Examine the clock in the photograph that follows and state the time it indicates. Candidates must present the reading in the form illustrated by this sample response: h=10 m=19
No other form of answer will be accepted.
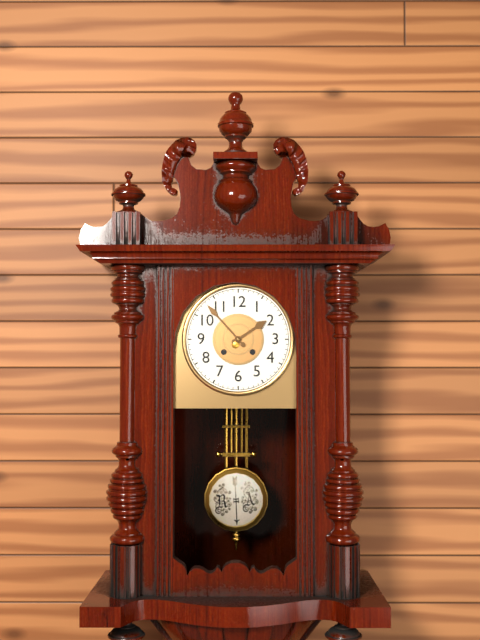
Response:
h=1 m=53
